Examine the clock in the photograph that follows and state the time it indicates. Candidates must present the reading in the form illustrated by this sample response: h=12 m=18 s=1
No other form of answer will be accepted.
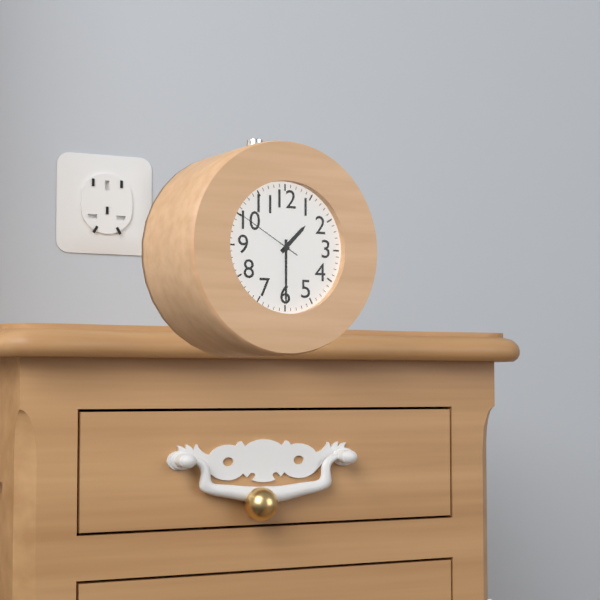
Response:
h=1 m=30 s=50
